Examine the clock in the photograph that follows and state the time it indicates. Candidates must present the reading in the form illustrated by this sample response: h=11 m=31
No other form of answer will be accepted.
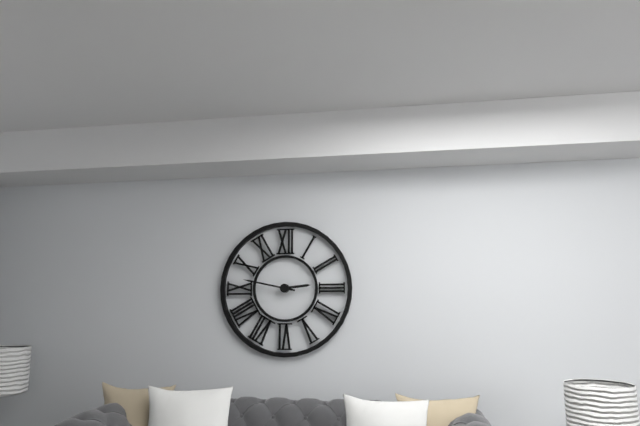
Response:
h=2 m=47
